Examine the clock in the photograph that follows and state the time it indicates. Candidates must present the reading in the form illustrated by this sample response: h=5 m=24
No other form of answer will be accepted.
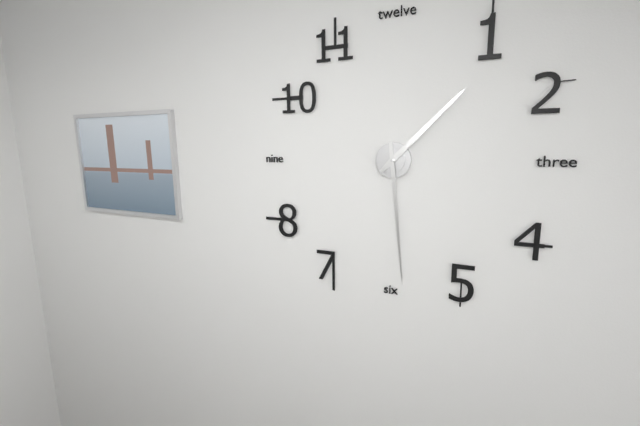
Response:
h=1 m=29
